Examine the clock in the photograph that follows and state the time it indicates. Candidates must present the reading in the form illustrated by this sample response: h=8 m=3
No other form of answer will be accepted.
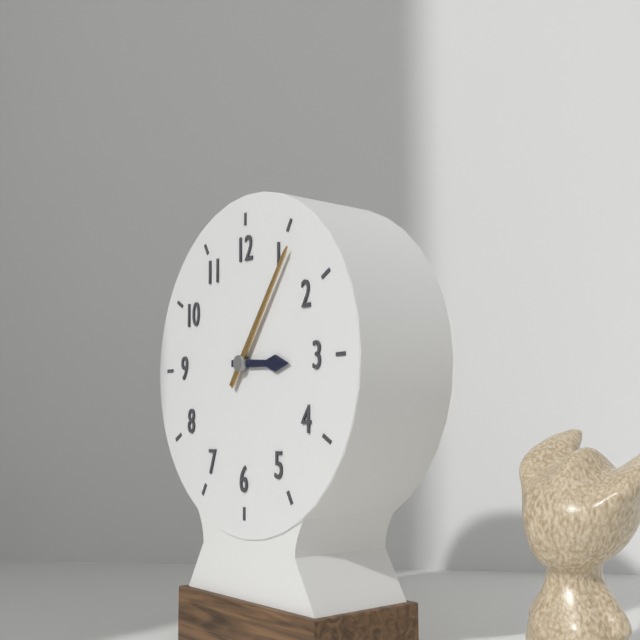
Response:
h=3 m=6
